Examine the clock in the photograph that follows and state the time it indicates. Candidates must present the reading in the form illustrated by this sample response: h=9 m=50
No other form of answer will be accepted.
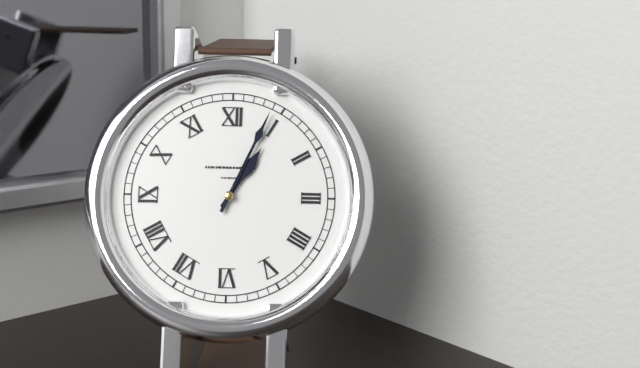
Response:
h=1 m=4
